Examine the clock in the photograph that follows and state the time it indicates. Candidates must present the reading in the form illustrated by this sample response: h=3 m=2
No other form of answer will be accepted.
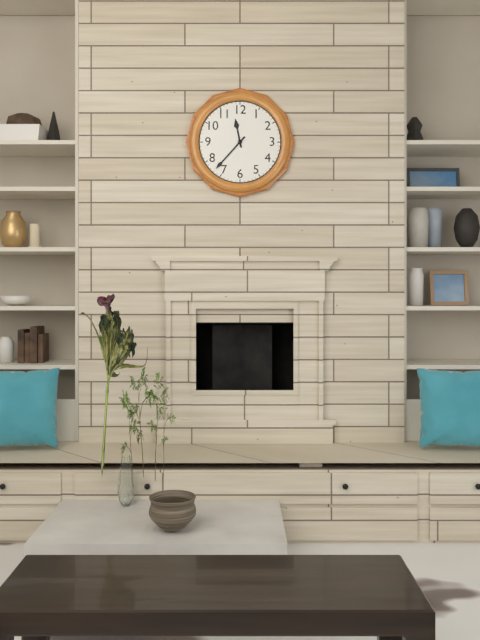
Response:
h=11 m=37
